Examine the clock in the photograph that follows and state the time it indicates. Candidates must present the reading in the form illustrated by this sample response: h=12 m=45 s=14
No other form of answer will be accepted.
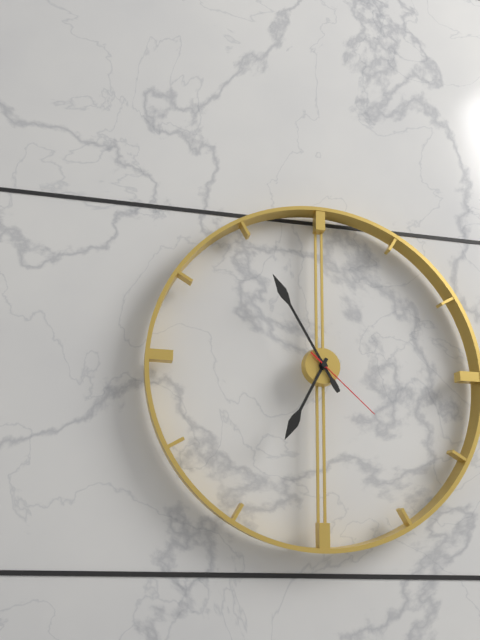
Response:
h=6 m=55 s=22
